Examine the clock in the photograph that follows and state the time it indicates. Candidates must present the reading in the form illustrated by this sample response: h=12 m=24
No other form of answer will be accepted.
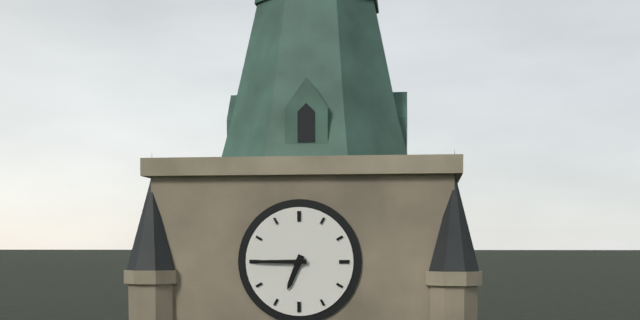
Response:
h=6 m=45
